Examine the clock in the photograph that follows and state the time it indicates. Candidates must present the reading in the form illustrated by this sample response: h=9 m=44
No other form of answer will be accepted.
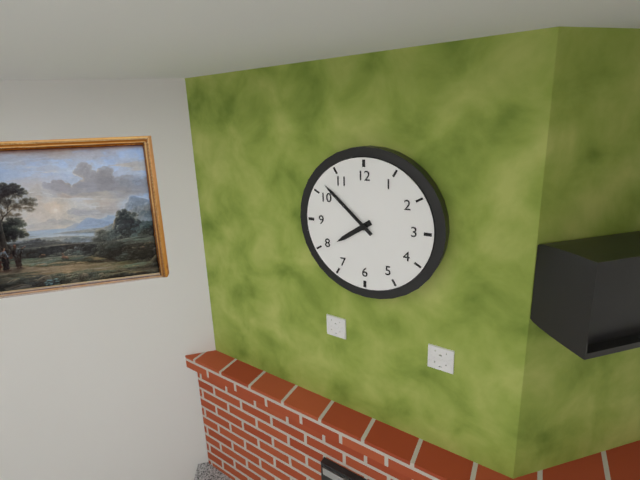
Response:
h=7 m=52
